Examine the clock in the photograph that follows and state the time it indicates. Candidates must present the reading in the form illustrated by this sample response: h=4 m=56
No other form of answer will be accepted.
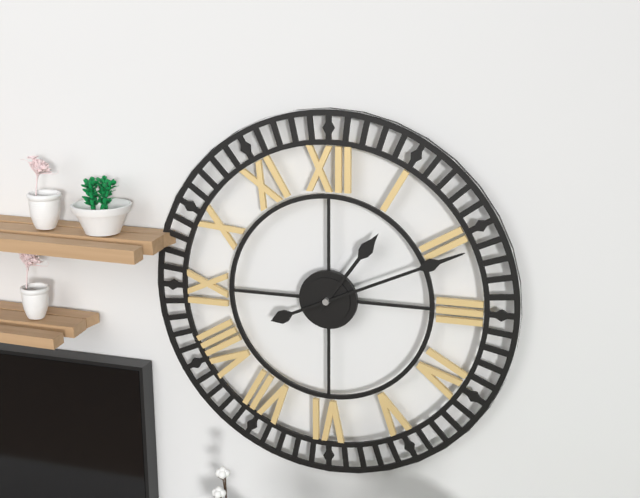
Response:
h=1 m=11
